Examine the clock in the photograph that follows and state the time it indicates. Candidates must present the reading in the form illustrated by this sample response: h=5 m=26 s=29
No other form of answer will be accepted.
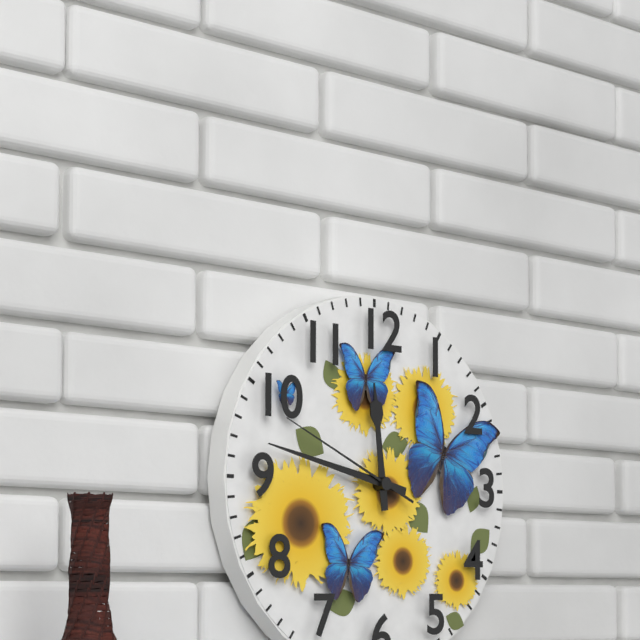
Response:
h=11 m=47 s=49
